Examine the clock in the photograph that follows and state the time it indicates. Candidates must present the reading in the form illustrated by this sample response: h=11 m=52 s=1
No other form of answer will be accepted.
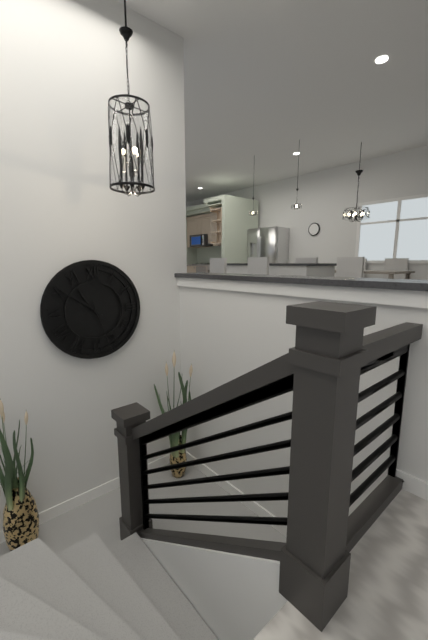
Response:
h=10 m=51 s=27
